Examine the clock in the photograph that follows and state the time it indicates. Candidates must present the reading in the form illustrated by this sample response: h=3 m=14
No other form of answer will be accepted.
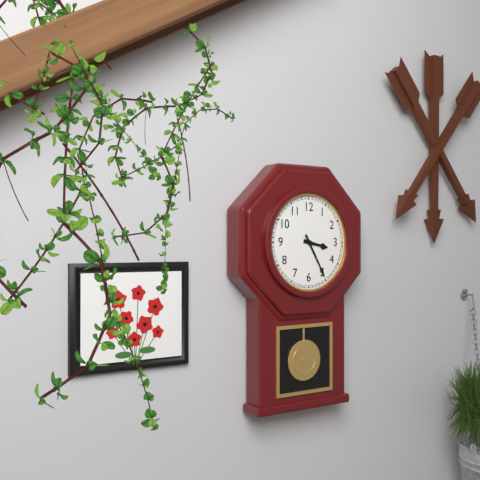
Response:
h=3 m=25
